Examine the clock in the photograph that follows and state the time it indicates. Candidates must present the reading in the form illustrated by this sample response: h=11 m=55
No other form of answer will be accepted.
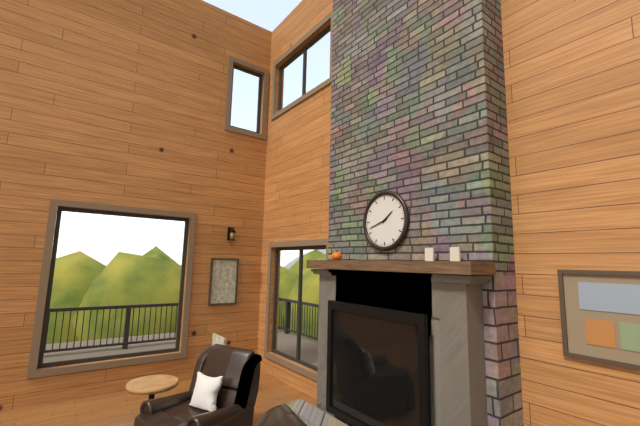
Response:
h=1 m=42
